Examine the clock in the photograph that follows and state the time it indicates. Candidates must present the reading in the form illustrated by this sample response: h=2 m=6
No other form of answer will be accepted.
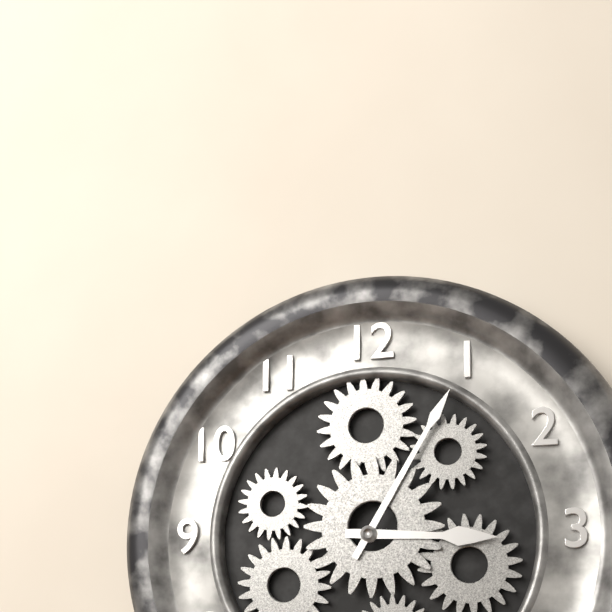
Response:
h=3 m=5
